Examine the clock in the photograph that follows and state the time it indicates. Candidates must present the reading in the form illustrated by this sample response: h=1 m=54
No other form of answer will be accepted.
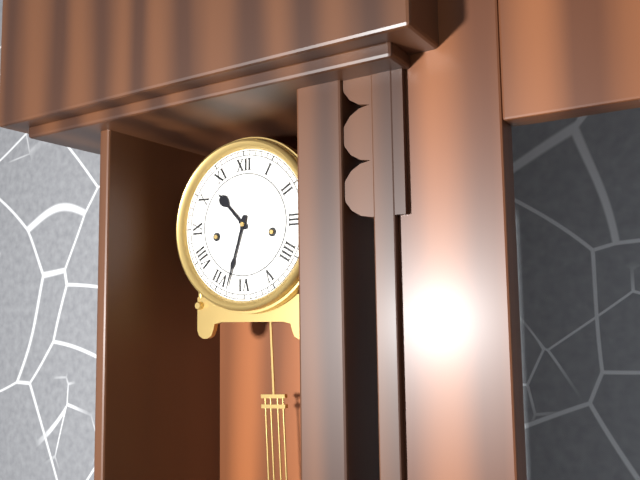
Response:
h=10 m=33
